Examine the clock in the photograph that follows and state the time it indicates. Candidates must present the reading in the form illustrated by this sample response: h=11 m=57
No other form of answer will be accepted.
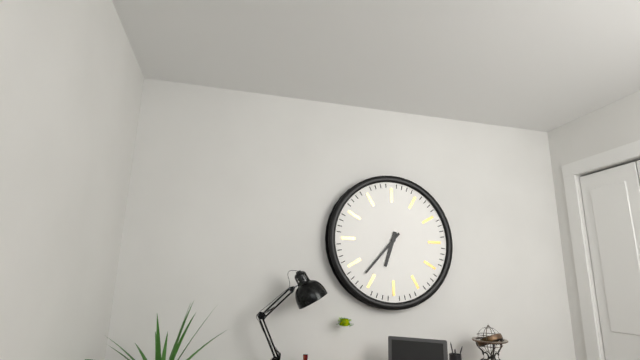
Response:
h=6 m=37
